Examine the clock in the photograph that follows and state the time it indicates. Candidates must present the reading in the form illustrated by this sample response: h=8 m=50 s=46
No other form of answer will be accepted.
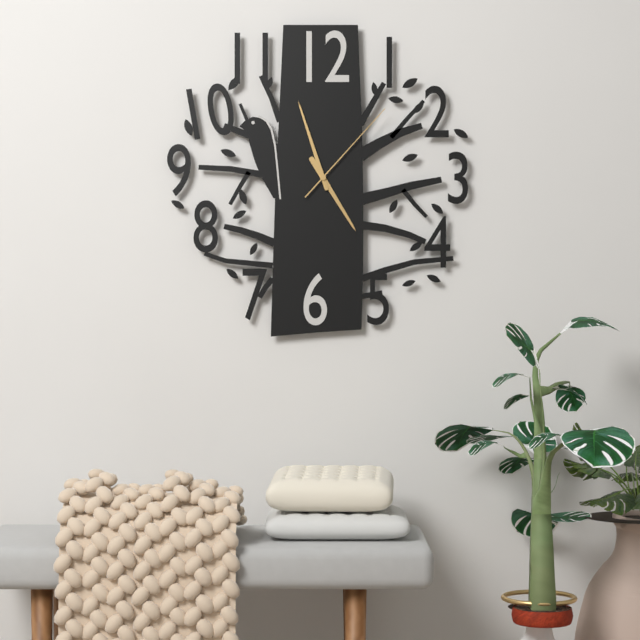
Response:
h=4 m=57 s=7
